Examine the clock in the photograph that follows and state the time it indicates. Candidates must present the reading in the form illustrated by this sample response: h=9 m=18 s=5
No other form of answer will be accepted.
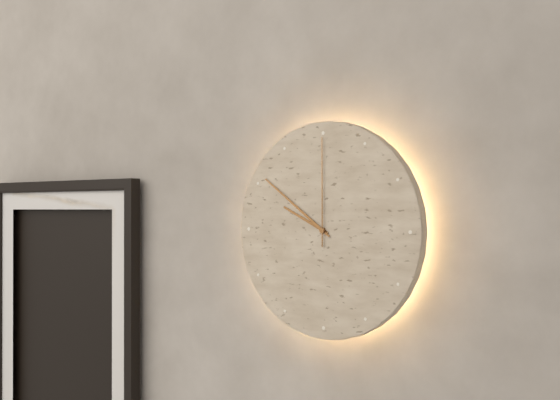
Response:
h=9 m=51 s=0
